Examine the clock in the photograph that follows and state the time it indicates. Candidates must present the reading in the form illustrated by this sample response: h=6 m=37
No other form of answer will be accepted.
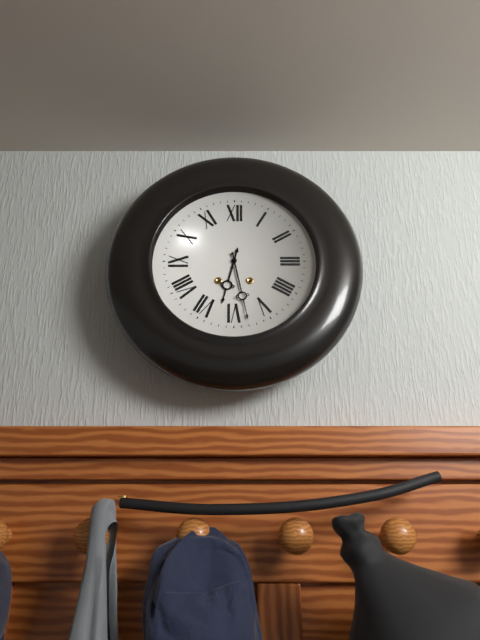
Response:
h=6 m=28
